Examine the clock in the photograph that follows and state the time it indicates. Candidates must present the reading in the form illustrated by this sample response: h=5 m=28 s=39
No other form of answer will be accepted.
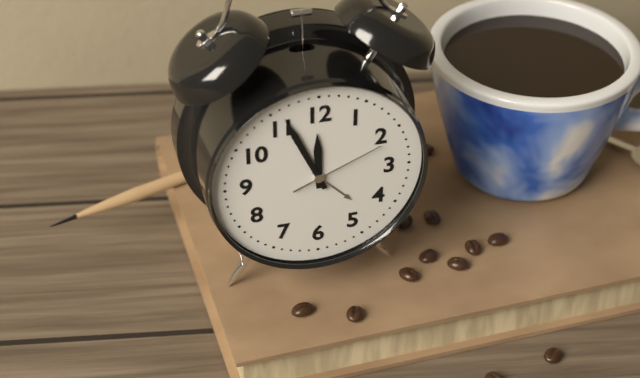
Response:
h=11 m=56 s=11
